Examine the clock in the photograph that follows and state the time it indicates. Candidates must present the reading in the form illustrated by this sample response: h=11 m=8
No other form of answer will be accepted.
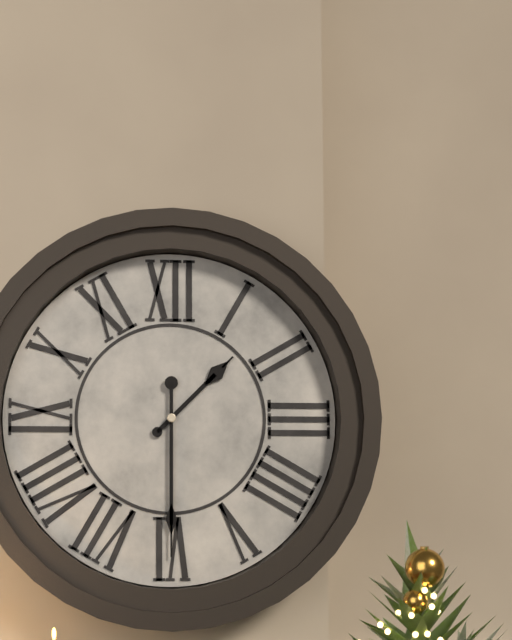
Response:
h=1 m=30
